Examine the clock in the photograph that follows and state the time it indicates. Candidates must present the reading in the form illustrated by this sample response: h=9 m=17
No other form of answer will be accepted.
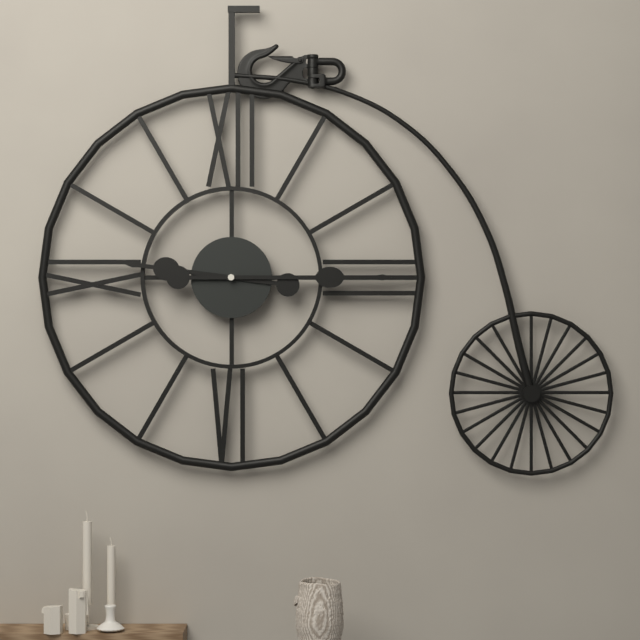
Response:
h=9 m=15
